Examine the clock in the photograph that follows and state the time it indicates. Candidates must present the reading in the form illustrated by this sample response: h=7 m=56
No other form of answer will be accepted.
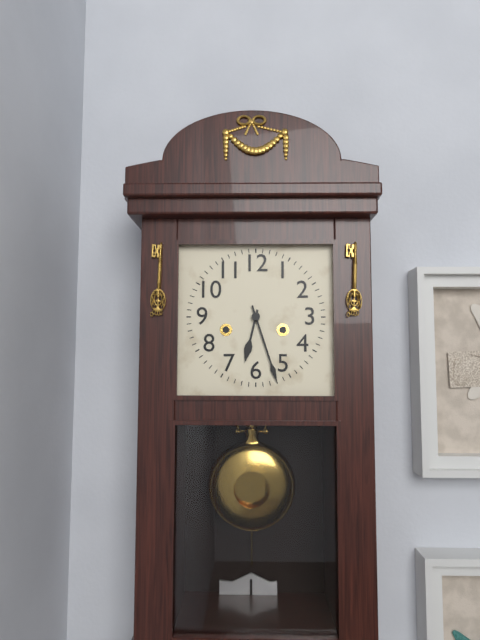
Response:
h=6 m=27
